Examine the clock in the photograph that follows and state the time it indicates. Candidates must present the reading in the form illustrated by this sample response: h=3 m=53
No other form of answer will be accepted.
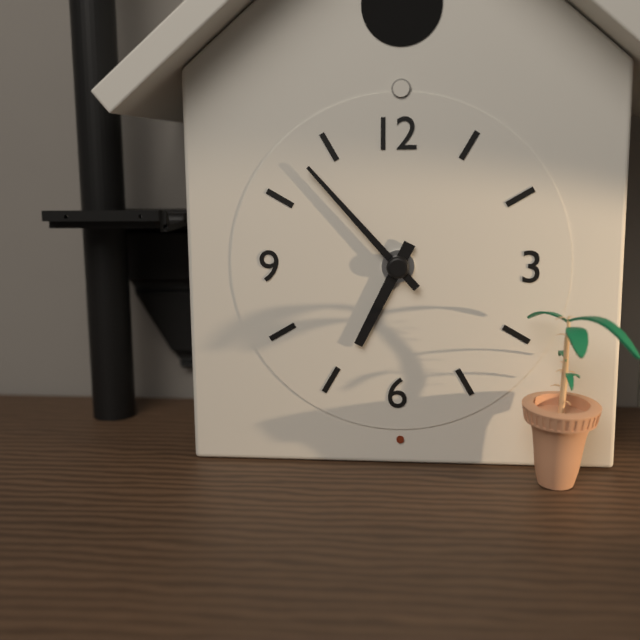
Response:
h=6 m=53
